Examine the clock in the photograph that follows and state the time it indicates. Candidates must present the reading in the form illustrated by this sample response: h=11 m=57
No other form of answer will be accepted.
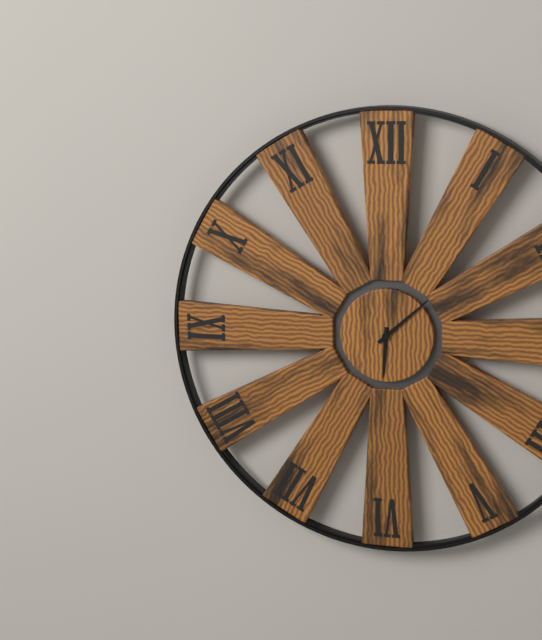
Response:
h=6 m=8
